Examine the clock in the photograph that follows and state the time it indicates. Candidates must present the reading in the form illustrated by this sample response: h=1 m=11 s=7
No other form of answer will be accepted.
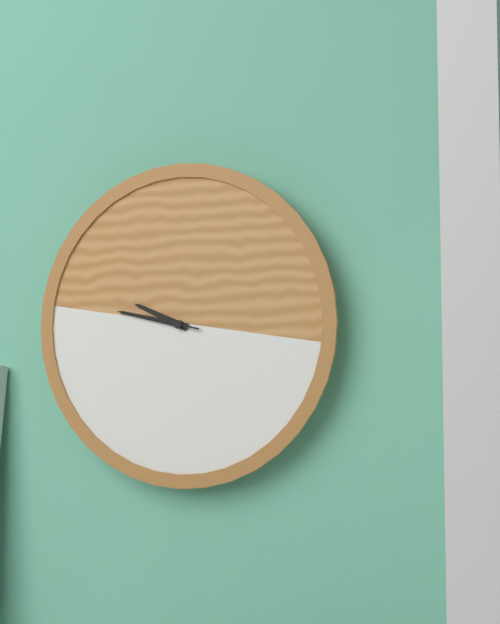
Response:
h=9 m=47 s=47
